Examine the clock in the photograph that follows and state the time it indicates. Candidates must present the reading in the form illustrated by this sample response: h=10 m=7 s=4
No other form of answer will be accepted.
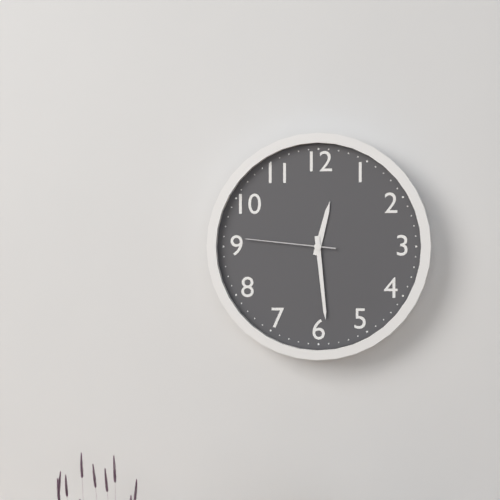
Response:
h=12 m=29 s=46
